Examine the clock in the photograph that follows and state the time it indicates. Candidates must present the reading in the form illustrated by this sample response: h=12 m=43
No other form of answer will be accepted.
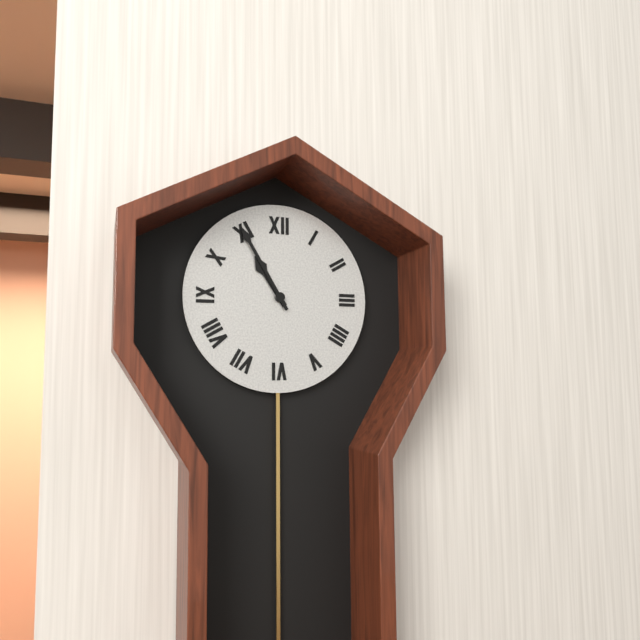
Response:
h=10 m=55
